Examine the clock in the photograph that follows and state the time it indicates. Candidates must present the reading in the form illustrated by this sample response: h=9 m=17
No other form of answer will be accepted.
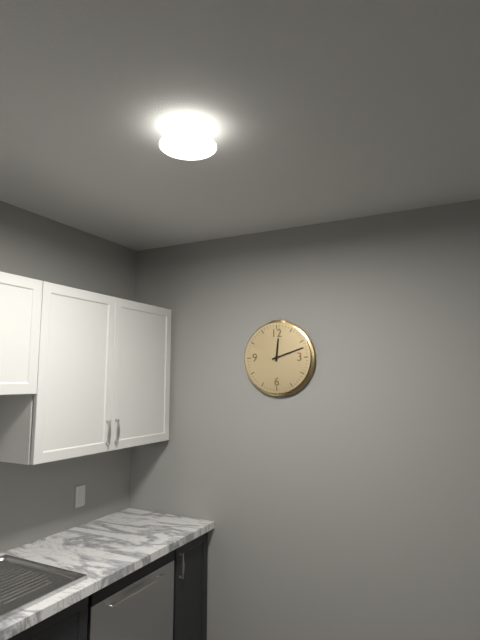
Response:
h=12 m=12
